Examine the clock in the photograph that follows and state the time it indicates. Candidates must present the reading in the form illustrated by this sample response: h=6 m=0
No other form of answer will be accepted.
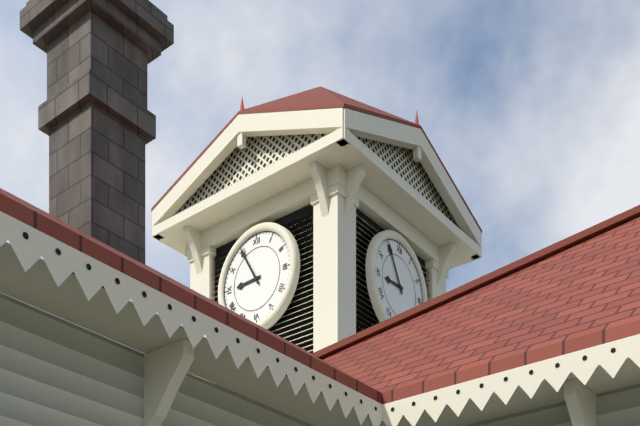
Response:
h=8 m=55
